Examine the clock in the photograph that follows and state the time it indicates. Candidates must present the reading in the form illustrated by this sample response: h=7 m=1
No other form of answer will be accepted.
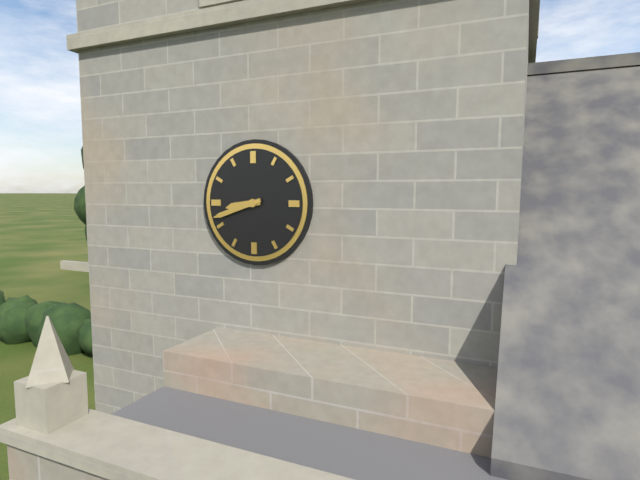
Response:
h=8 m=42
